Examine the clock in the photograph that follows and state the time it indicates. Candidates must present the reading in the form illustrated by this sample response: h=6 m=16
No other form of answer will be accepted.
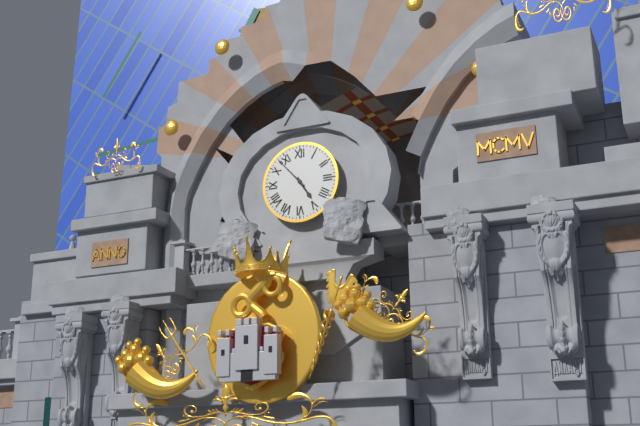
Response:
h=4 m=53
